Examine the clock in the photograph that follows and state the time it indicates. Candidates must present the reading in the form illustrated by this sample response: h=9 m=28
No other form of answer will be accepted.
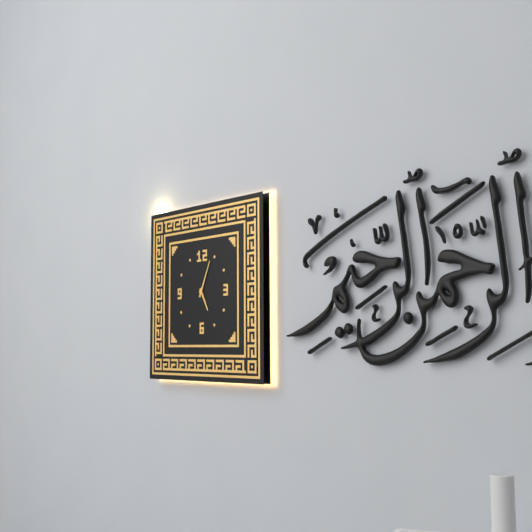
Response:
h=5 m=4
